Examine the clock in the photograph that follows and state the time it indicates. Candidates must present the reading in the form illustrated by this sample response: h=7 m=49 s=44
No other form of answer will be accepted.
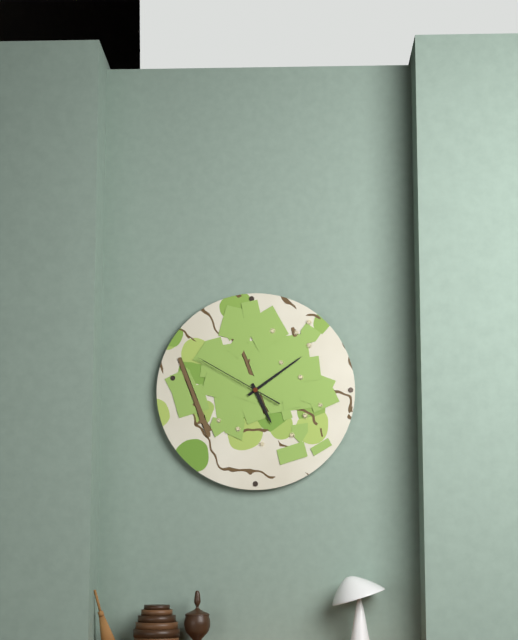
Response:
h=5 m=9 s=50
